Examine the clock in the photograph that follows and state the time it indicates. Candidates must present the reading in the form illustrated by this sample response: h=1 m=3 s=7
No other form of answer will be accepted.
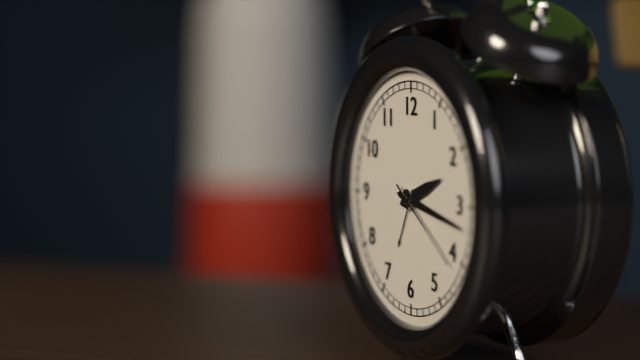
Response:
h=2 m=17 s=21
